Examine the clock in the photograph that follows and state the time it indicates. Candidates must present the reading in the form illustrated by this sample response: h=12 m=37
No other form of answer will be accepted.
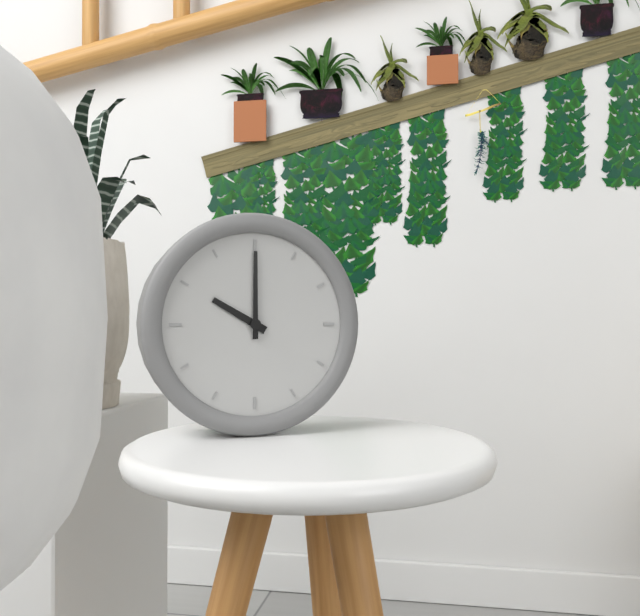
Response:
h=10 m=0
